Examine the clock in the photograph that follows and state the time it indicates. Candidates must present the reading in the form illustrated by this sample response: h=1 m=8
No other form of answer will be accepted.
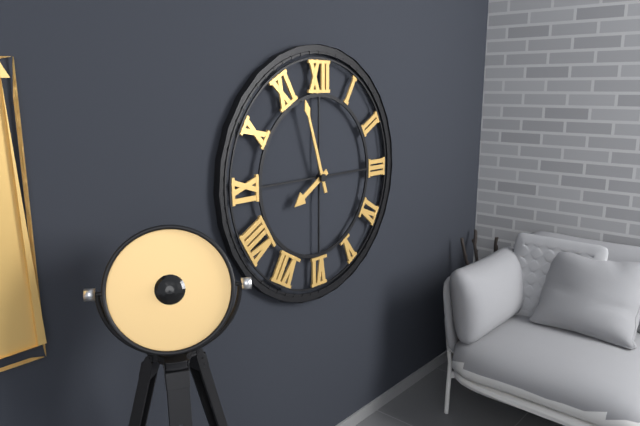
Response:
h=7 m=57
